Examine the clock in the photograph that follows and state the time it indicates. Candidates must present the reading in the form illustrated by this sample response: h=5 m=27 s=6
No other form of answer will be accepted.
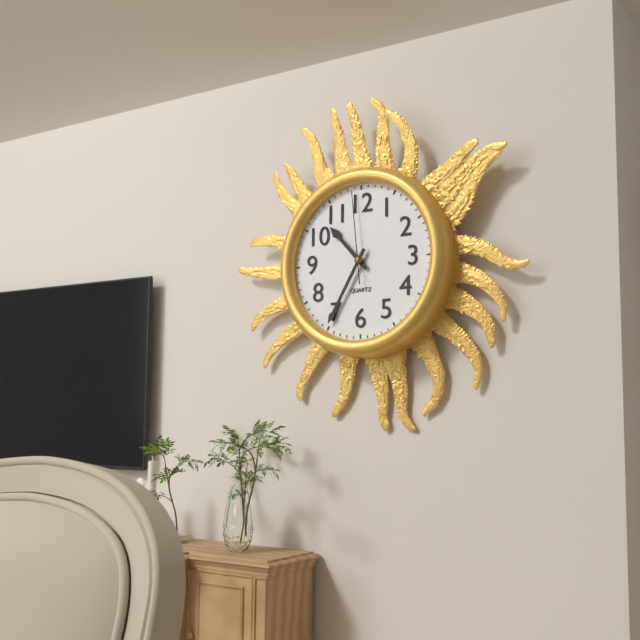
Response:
h=10 m=35 s=59
